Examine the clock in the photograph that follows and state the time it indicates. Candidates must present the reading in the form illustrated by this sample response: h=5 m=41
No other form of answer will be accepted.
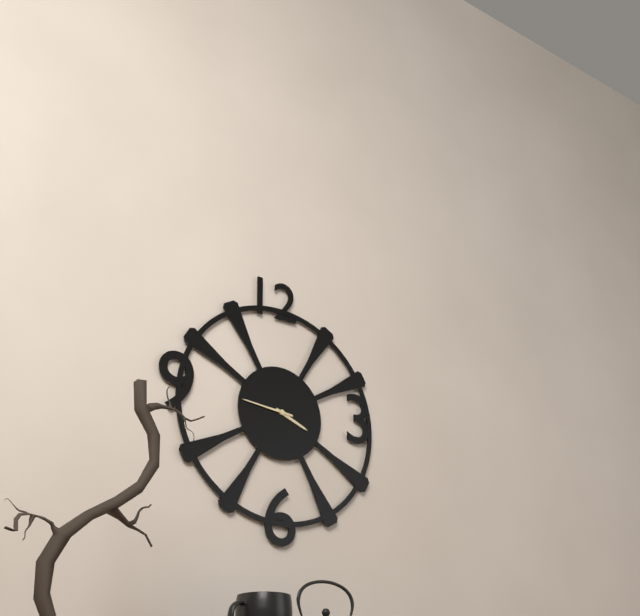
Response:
h=3 m=46
